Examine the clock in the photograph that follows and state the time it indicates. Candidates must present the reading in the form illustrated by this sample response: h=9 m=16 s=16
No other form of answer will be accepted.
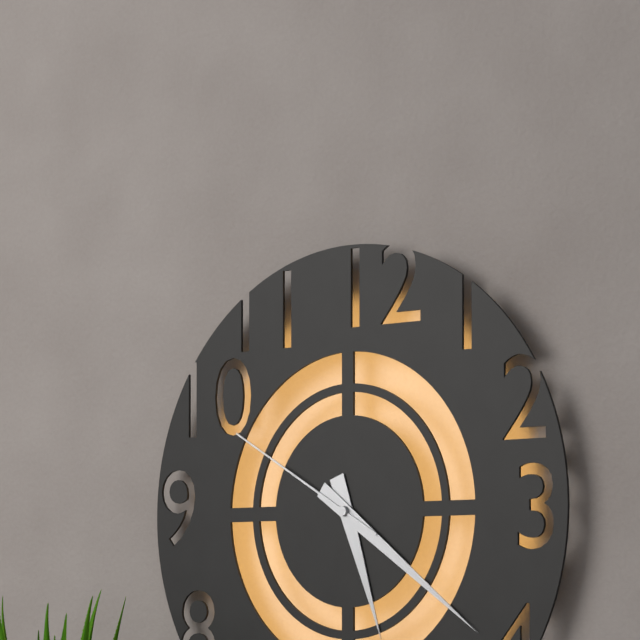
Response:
h=5 m=21 s=50
